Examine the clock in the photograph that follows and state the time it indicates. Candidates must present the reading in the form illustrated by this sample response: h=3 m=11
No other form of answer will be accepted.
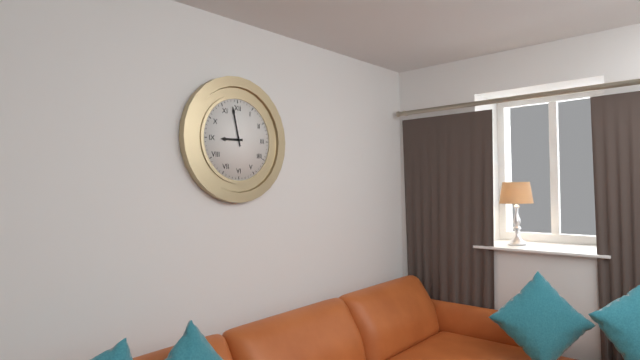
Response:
h=8 m=58
